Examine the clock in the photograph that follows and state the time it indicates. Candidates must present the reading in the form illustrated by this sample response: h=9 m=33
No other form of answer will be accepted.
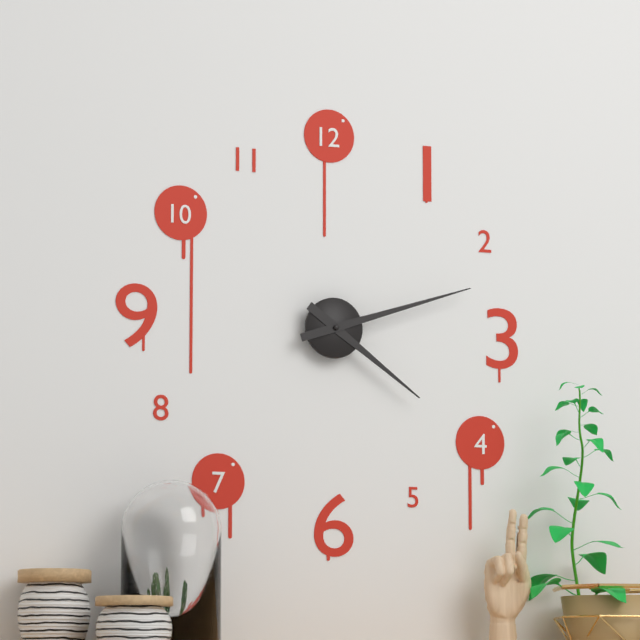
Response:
h=4 m=12
